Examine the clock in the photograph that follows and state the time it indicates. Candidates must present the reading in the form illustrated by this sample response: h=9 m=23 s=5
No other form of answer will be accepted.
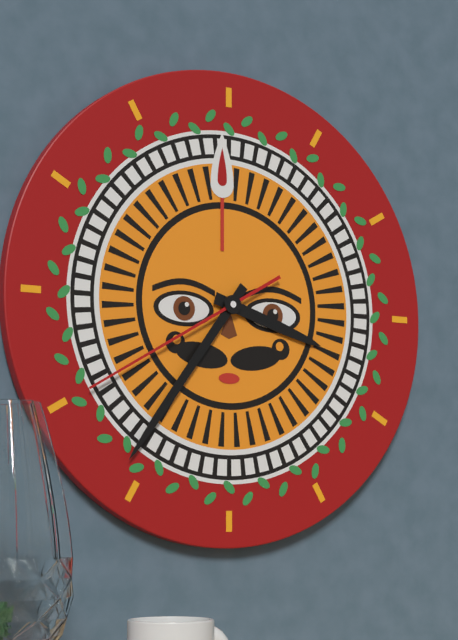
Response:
h=3 m=36 s=40
